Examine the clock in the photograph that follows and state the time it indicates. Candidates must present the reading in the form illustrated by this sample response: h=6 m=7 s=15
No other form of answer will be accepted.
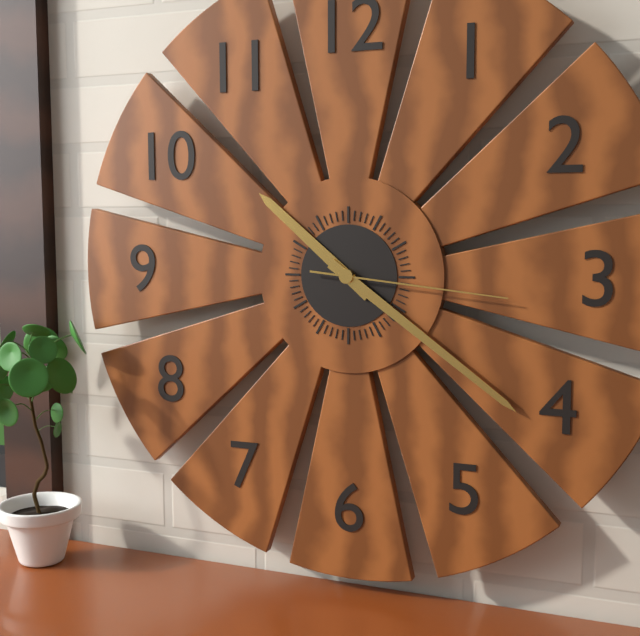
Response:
h=10 m=21 s=16
